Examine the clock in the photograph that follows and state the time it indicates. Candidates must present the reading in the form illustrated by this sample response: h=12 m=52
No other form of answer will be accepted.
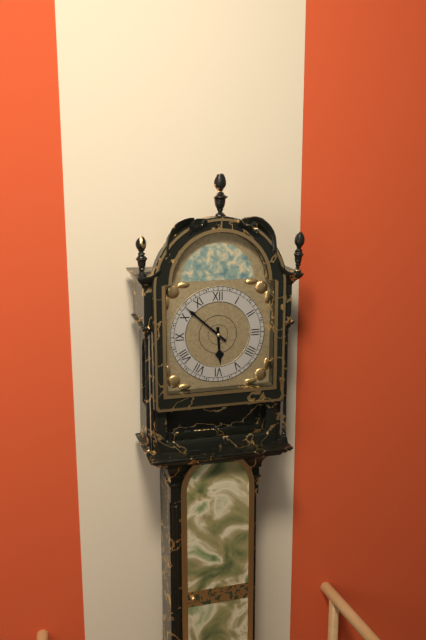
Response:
h=5 m=52
